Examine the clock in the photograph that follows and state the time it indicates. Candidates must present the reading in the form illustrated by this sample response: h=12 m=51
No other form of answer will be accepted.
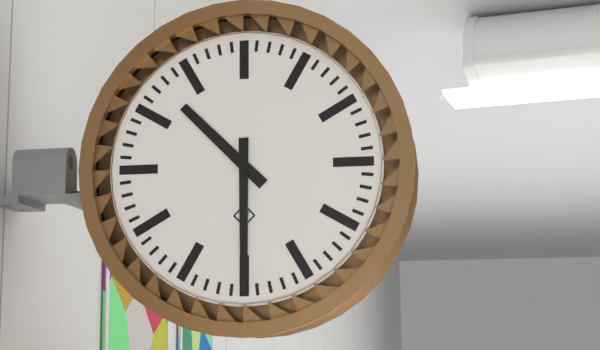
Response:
h=10 m=30
